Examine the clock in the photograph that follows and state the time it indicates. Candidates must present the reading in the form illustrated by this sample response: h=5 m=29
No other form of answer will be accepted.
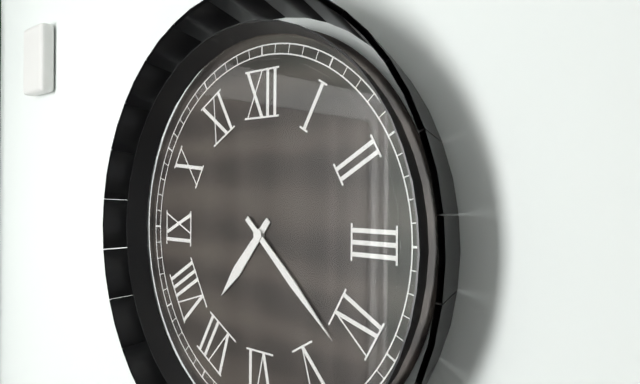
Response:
h=7 m=22
